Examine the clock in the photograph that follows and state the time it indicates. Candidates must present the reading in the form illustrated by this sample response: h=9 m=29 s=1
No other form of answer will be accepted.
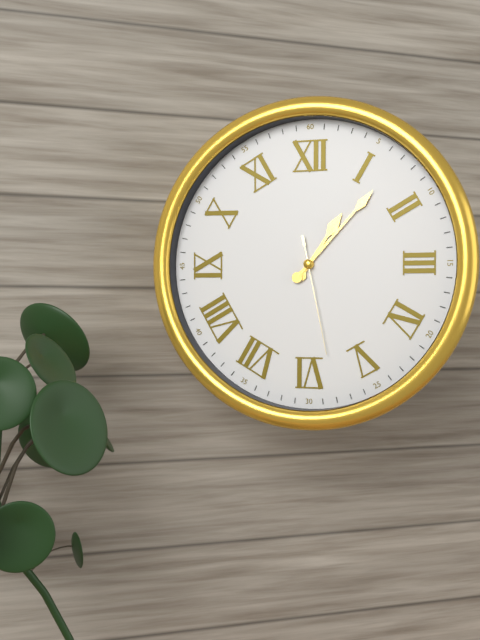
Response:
h=1 m=7 s=28
